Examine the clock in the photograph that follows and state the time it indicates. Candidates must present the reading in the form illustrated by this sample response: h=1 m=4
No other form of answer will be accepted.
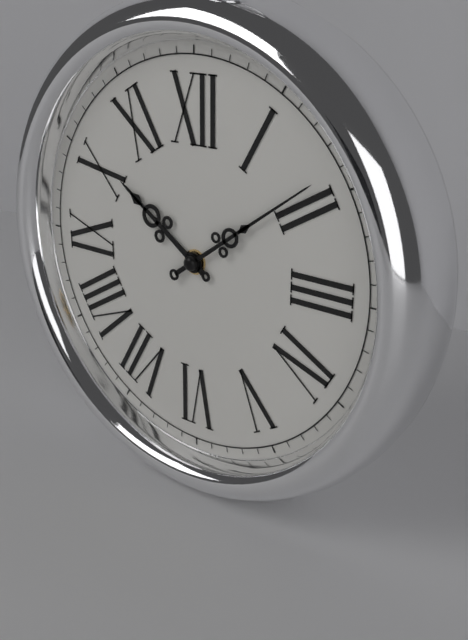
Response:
h=10 m=9
